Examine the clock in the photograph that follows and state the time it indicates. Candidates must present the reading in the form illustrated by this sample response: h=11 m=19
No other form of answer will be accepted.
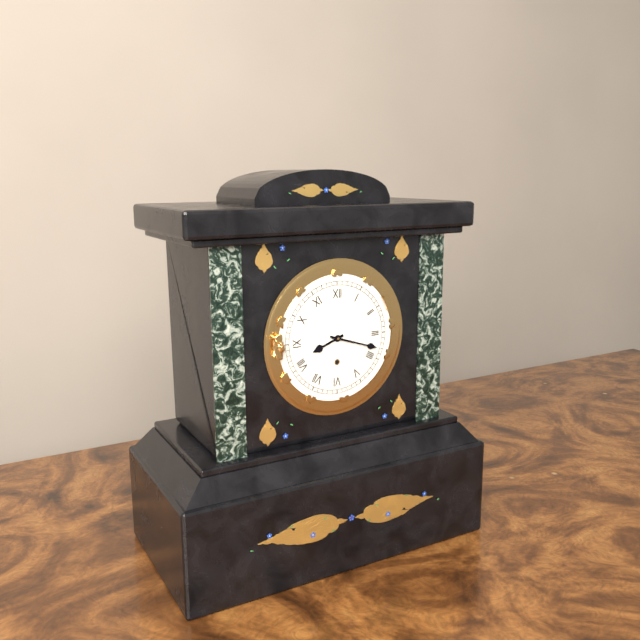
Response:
h=8 m=18
